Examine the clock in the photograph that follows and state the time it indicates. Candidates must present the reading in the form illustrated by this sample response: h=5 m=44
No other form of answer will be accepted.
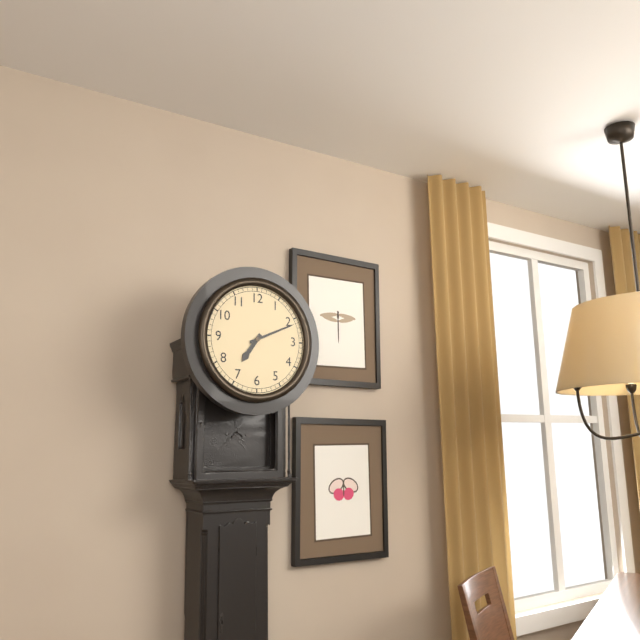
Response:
h=7 m=11
